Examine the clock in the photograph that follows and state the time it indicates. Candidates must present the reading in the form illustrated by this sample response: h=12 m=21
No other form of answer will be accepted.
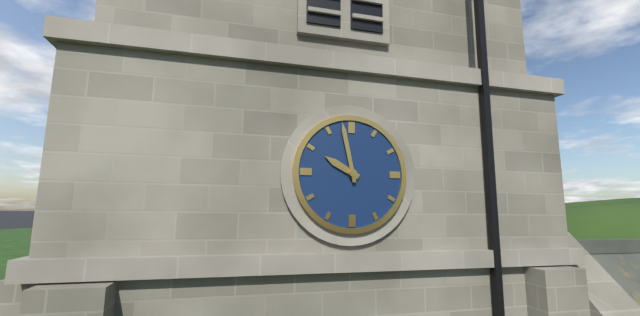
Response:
h=9 m=58
